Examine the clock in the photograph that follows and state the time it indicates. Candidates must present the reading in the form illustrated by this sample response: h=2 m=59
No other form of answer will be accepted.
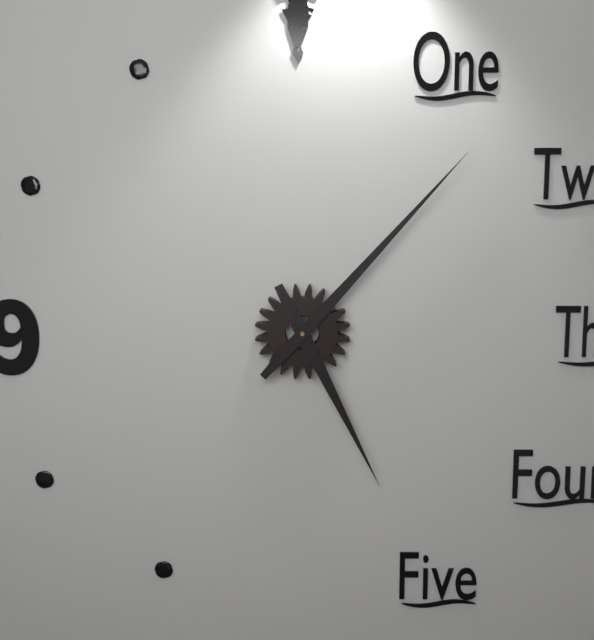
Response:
h=5 m=7
